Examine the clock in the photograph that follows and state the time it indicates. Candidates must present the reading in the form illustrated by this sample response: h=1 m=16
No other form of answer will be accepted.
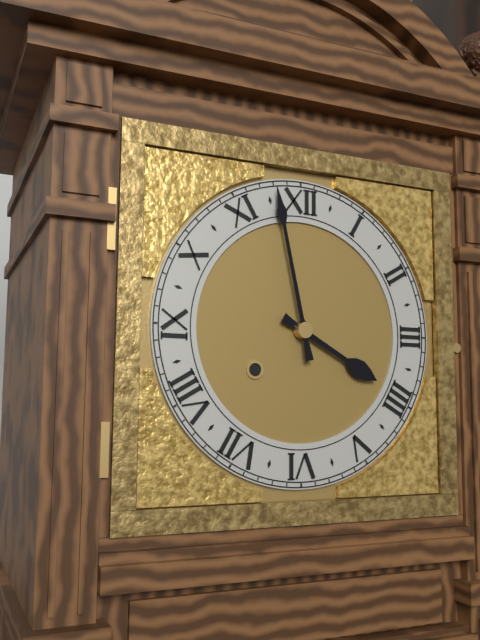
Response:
h=3 m=58
